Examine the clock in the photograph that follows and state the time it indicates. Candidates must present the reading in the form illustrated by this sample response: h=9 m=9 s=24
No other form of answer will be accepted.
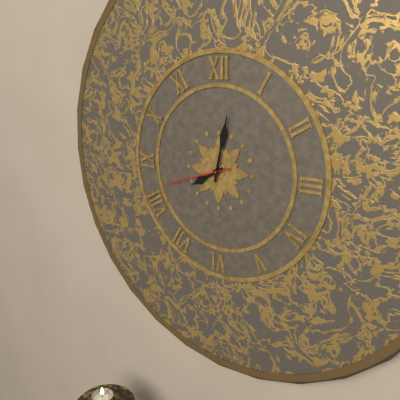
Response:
h=8 m=2 s=42
